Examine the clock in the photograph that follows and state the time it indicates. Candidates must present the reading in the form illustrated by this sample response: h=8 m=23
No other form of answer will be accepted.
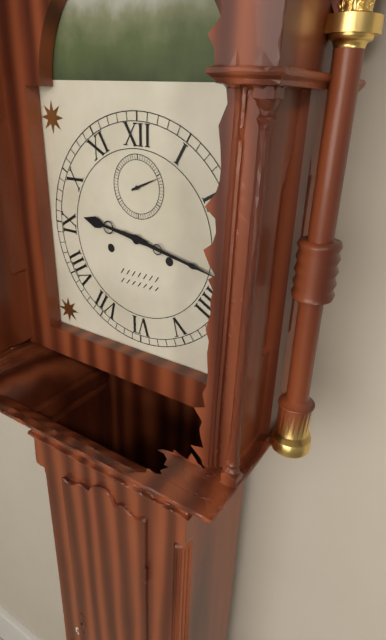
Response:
h=9 m=17
